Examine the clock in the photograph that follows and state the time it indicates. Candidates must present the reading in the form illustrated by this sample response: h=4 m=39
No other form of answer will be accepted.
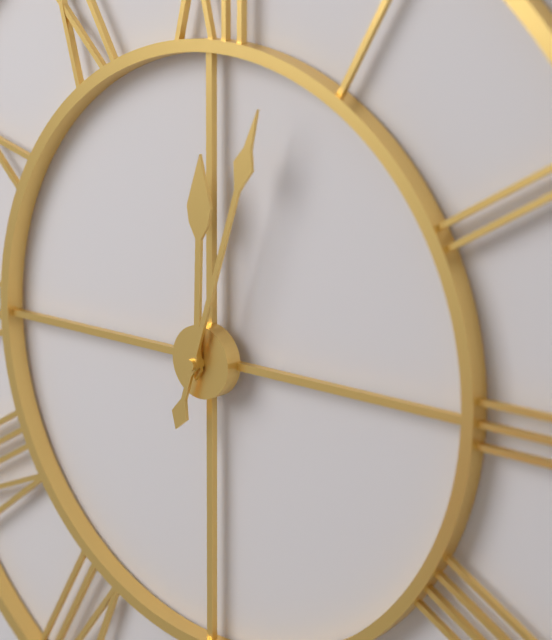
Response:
h=12 m=3
